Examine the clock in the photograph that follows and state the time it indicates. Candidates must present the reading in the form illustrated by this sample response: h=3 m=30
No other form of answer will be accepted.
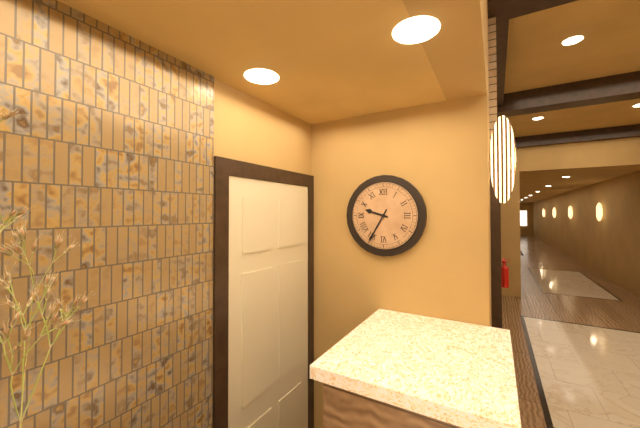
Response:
h=9 m=35
